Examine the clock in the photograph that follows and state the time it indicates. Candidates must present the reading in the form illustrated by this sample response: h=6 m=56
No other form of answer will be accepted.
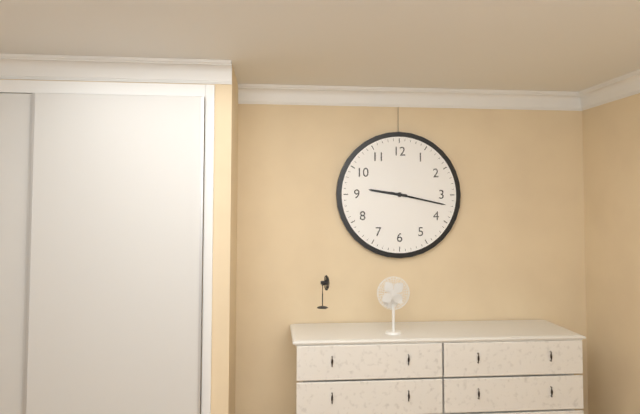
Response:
h=9 m=17
